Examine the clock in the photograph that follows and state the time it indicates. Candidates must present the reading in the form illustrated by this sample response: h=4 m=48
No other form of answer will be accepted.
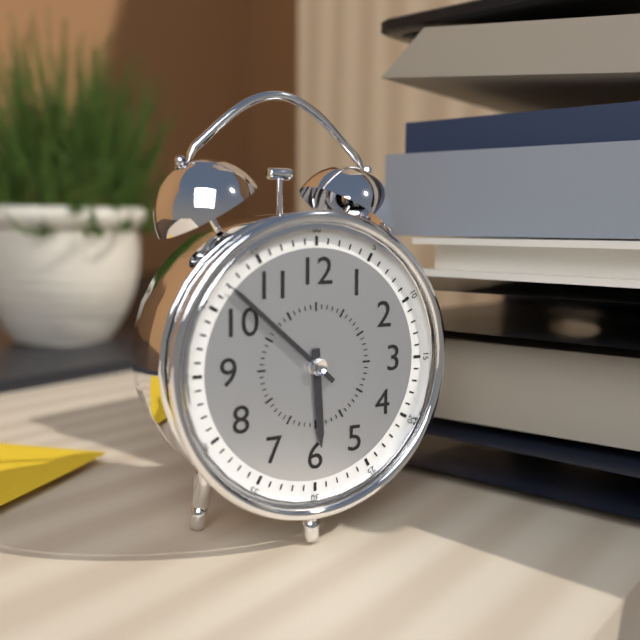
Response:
h=5 m=52
